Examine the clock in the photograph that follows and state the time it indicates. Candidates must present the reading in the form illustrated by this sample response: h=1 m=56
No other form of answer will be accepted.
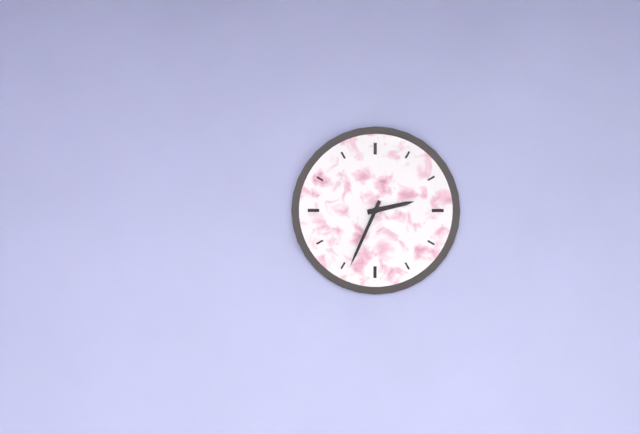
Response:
h=2 m=34
